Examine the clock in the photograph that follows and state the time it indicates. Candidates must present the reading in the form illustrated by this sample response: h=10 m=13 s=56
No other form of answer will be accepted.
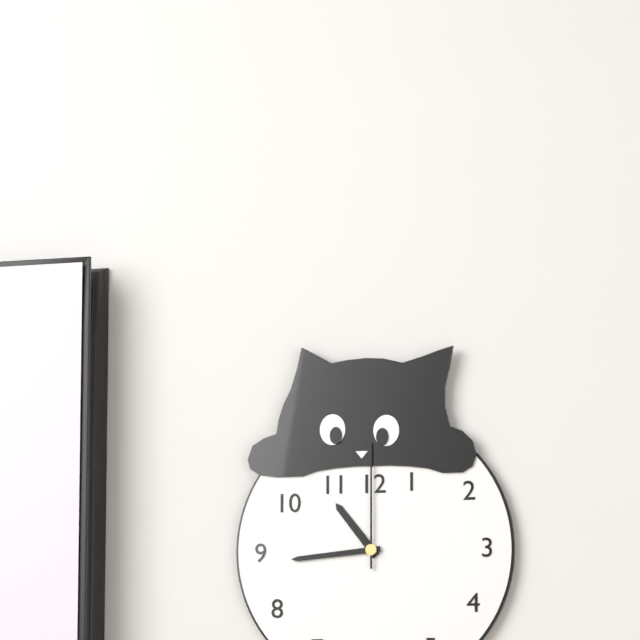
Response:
h=10 m=44 s=0
